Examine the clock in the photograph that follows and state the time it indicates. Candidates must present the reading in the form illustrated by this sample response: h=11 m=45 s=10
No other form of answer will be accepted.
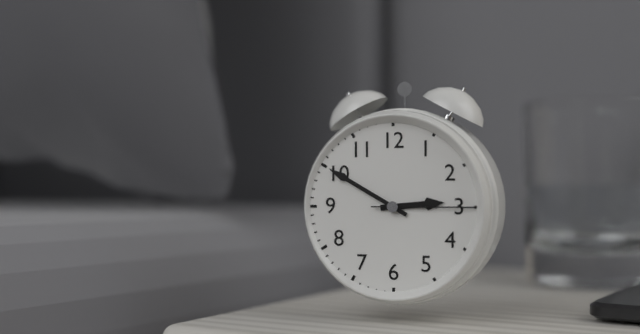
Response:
h=2 m=50 s=15
